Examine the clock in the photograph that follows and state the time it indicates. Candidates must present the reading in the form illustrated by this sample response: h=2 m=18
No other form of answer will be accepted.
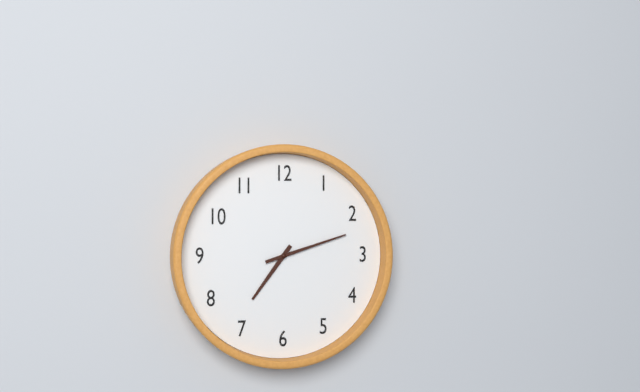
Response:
h=7 m=12
